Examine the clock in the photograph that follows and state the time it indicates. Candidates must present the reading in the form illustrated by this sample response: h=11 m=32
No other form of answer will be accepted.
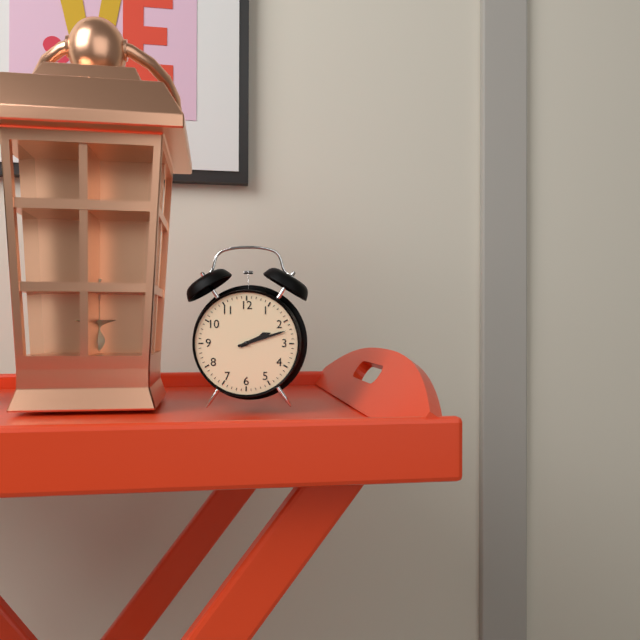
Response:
h=2 m=12
